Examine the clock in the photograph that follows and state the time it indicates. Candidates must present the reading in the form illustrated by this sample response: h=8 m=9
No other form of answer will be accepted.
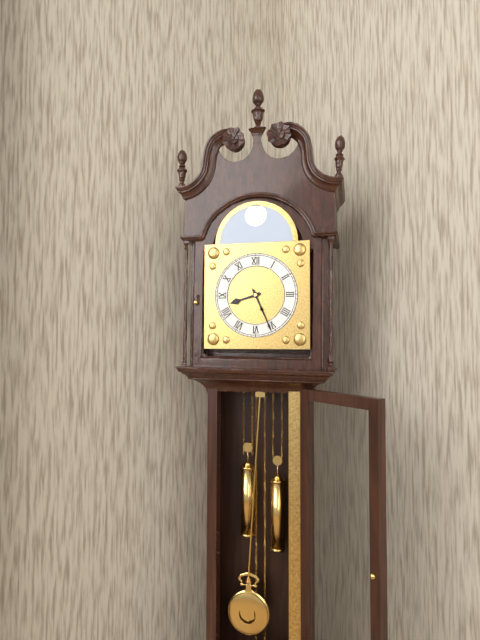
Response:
h=8 m=26
